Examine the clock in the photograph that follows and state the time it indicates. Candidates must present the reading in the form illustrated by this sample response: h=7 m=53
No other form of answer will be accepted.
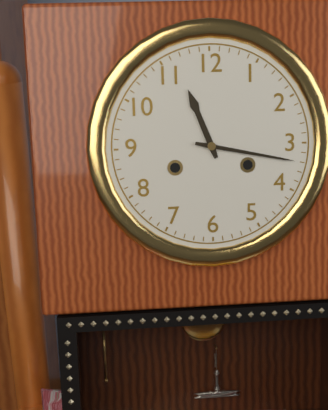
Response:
h=11 m=17
